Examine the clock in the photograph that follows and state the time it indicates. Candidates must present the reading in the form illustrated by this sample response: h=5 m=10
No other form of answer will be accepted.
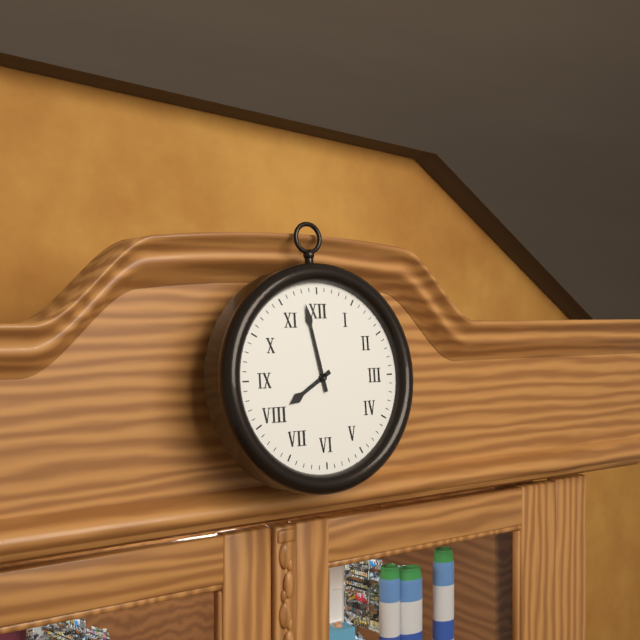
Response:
h=7 m=58
